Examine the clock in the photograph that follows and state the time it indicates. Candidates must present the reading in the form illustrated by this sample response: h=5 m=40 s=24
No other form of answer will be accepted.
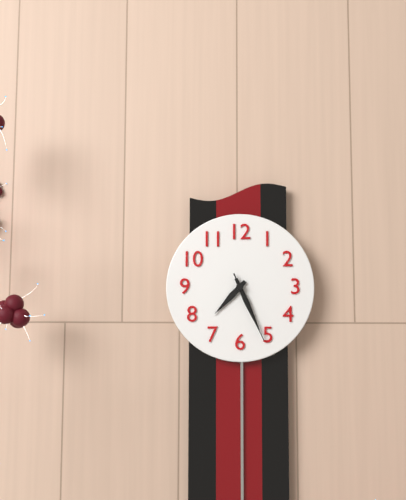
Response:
h=7 m=26 s=26
